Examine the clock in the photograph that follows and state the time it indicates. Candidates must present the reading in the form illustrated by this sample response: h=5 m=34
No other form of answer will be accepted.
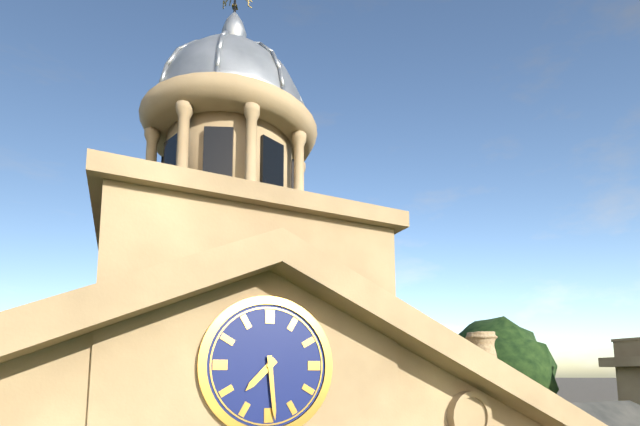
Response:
h=7 m=29
